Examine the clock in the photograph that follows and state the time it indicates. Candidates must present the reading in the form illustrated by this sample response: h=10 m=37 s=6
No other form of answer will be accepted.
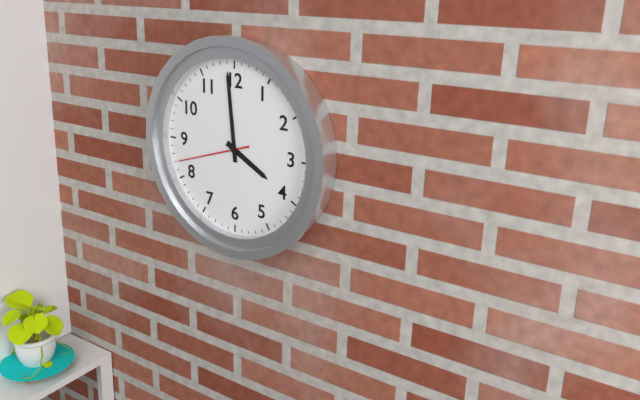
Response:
h=3 m=59 s=42
